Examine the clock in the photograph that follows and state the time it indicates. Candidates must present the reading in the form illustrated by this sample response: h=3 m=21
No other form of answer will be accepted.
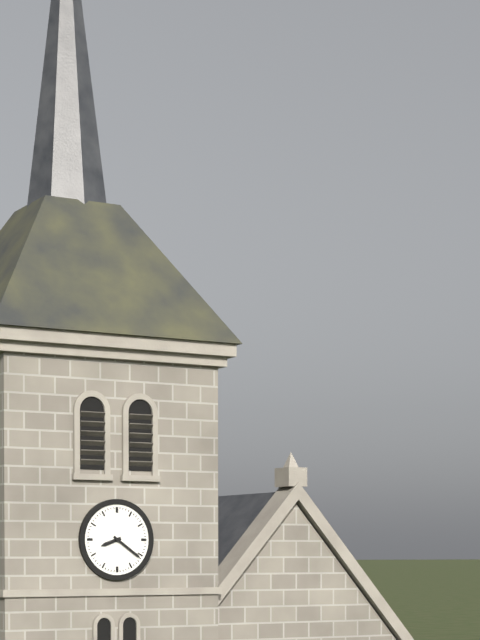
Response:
h=8 m=21
